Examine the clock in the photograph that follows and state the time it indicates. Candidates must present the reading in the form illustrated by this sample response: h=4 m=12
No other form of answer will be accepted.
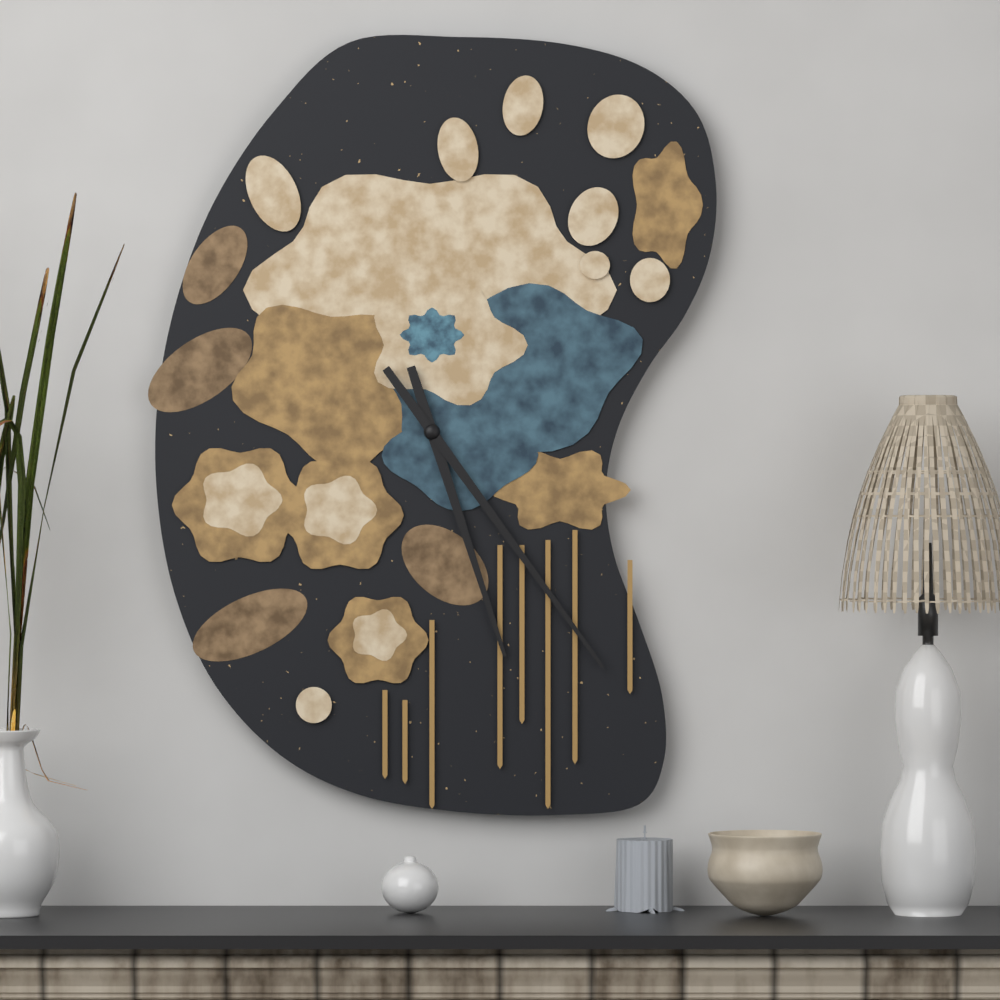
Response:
h=5 m=24
